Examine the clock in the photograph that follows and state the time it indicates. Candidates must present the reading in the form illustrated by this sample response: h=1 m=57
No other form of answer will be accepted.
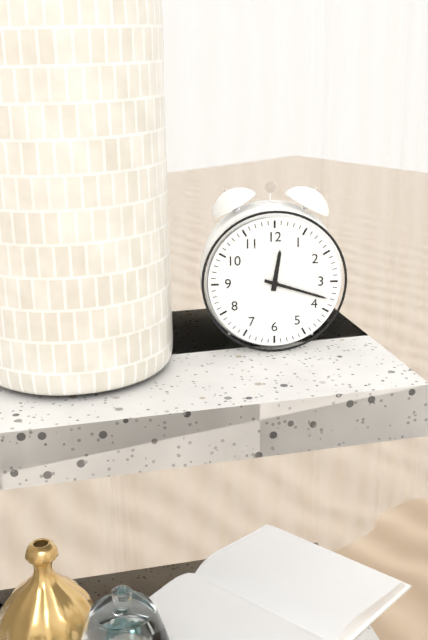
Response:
h=12 m=18
